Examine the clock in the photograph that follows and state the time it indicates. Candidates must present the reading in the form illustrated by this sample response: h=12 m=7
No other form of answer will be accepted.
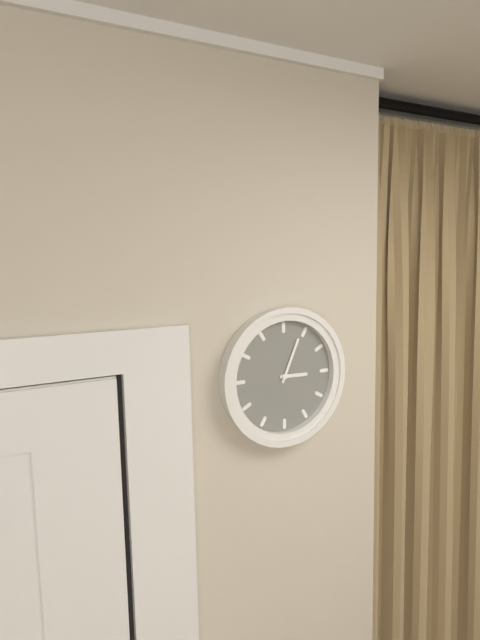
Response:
h=3 m=4
